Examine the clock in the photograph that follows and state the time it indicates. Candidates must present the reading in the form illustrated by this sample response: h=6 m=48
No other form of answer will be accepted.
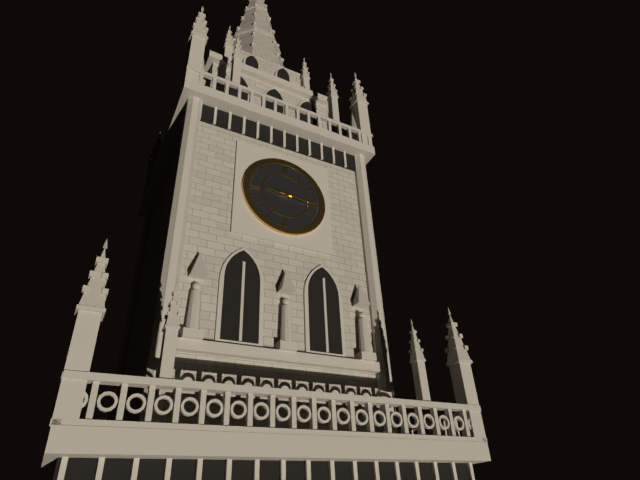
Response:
h=9 m=16
